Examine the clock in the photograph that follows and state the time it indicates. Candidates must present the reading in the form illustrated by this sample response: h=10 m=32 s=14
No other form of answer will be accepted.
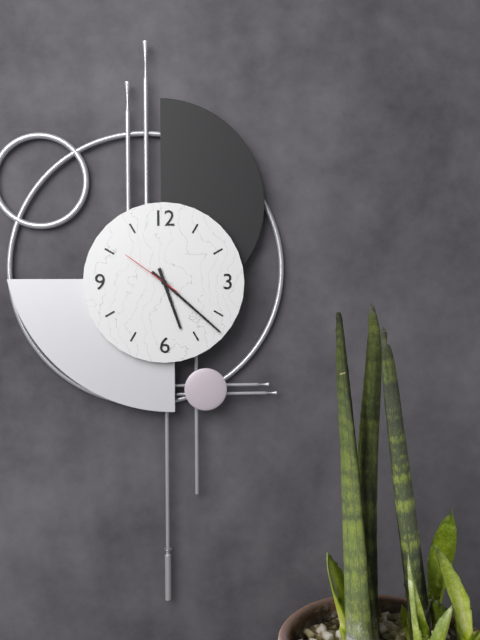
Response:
h=5 m=22 s=51
